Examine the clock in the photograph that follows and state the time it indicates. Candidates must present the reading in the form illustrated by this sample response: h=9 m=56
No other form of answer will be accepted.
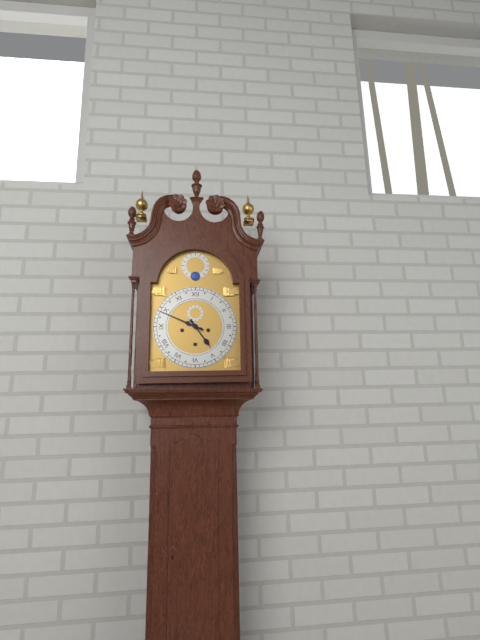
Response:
h=4 m=49
